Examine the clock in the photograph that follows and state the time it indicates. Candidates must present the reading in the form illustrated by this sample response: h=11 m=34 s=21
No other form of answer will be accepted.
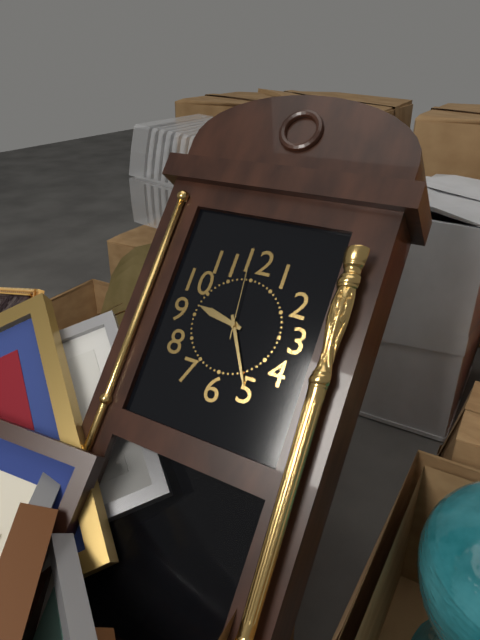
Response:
h=9 m=25 s=59
